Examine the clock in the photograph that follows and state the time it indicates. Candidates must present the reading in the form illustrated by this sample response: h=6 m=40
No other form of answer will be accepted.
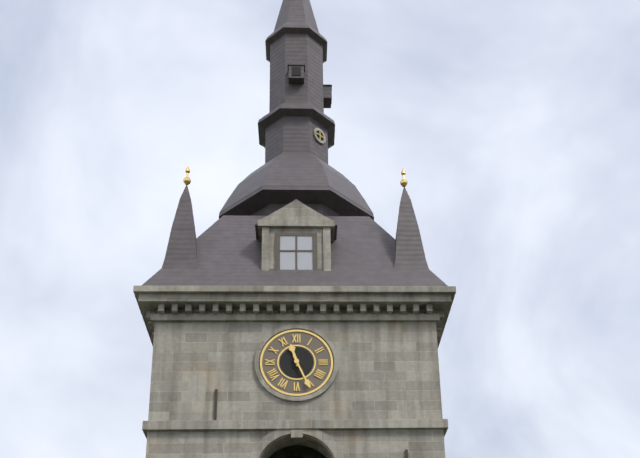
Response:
h=11 m=26
